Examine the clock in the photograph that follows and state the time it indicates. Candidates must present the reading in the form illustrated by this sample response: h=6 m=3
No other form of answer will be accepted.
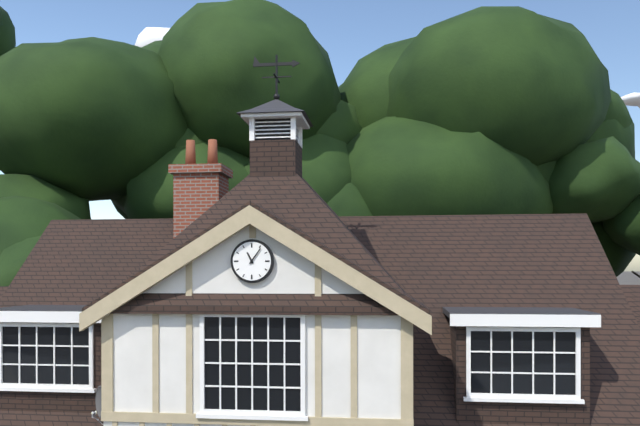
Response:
h=11 m=6
